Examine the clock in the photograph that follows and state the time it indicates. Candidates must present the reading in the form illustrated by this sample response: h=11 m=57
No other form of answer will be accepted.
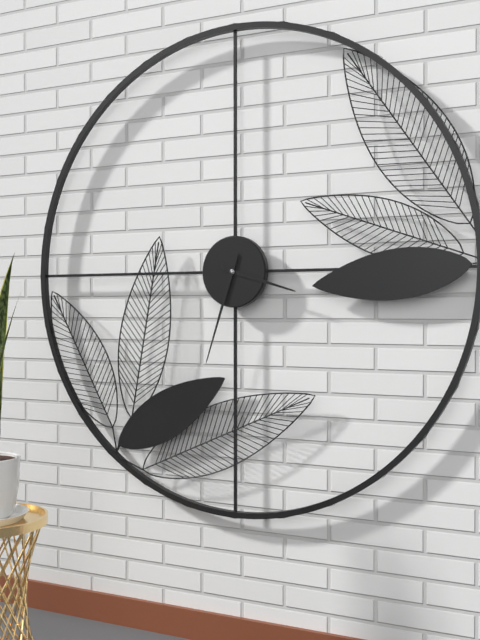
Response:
h=3 m=33
